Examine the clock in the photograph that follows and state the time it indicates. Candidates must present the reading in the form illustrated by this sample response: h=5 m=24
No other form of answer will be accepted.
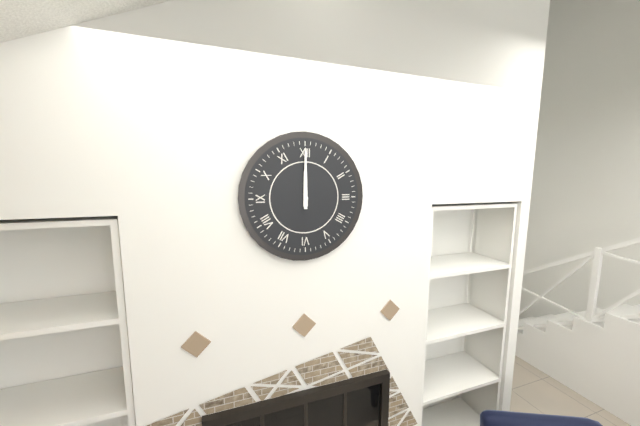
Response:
h=12 m=0
